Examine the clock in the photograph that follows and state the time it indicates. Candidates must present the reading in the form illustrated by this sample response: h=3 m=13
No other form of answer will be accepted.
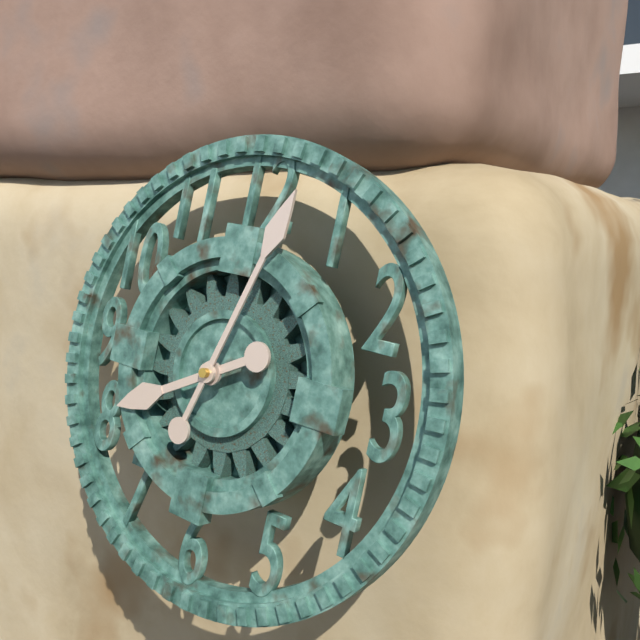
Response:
h=8 m=3
